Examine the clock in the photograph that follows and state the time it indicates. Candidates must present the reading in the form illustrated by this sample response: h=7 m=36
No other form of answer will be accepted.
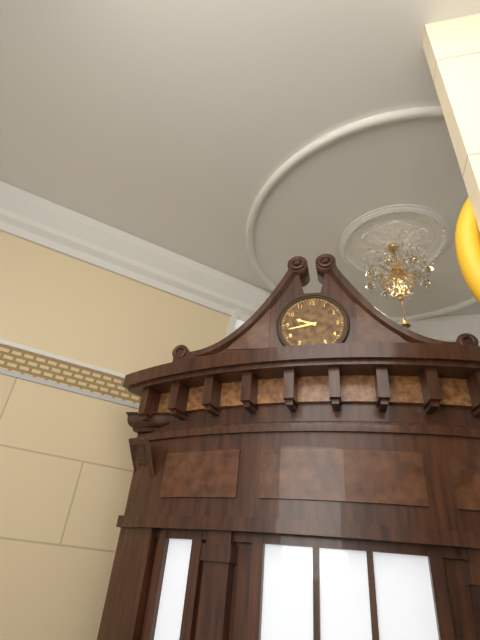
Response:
h=9 m=43
